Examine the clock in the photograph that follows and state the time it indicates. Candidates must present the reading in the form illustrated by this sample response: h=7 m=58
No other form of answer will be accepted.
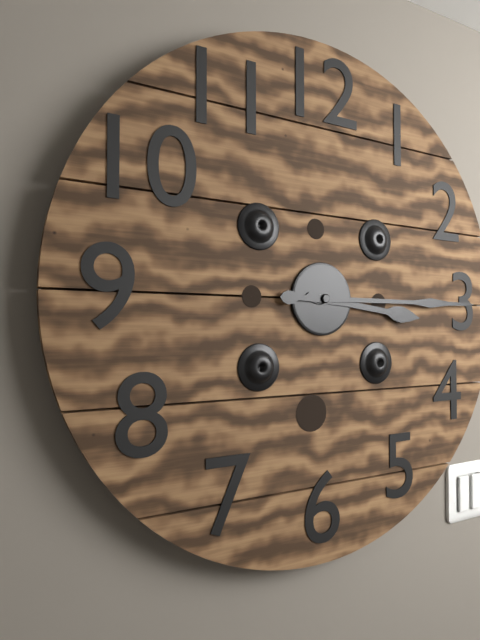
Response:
h=3 m=15
